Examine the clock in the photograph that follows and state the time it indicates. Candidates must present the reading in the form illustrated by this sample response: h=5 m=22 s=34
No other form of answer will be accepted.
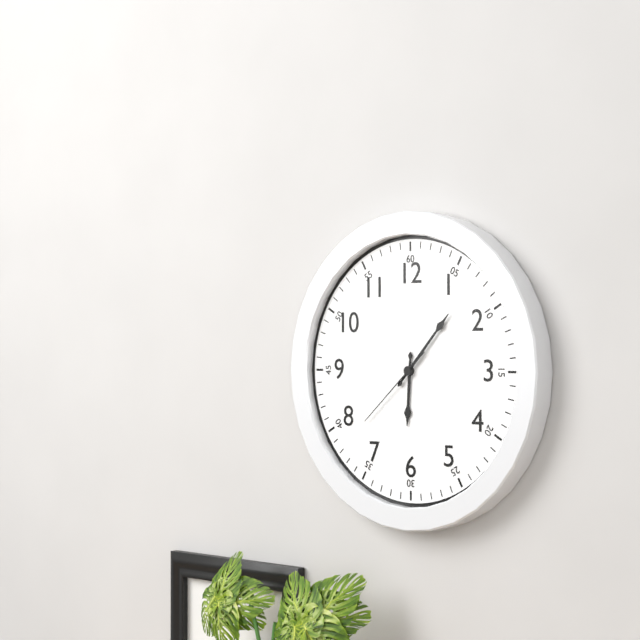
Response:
h=6 m=7 s=38
